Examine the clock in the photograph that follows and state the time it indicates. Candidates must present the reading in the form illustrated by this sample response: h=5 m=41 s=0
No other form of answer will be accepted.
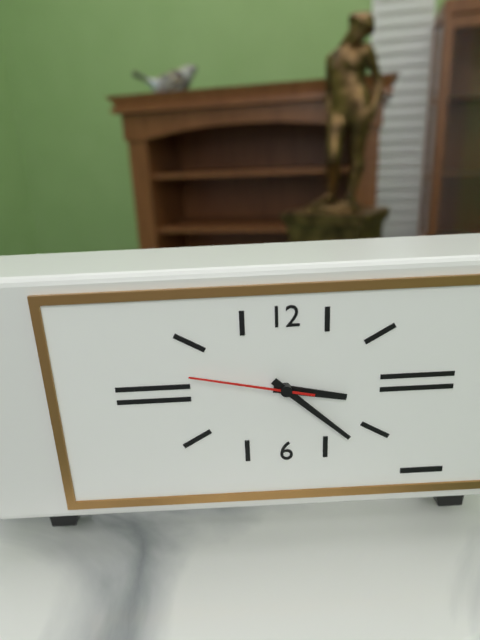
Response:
h=3 m=22 s=47
